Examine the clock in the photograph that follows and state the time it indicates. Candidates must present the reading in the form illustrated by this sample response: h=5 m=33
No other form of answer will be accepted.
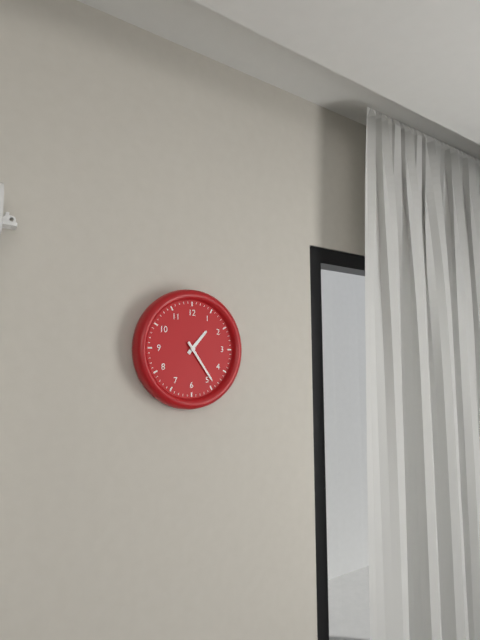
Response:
h=1 m=24
